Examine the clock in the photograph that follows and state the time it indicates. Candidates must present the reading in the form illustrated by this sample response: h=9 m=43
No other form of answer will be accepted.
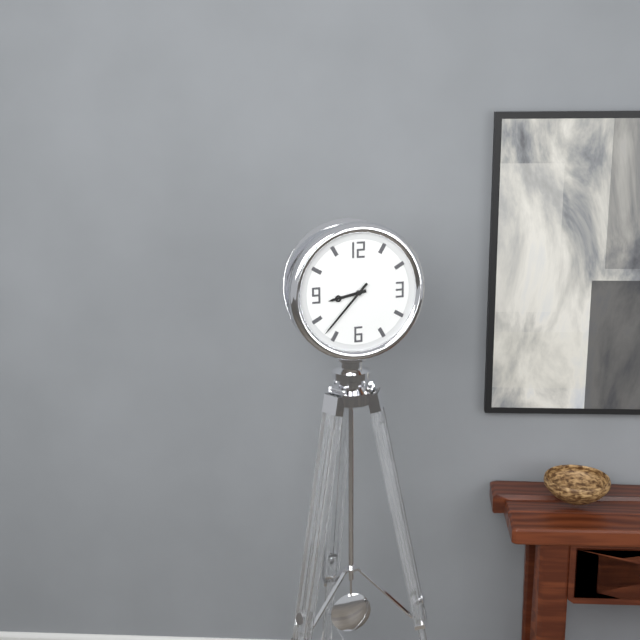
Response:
h=8 m=37
